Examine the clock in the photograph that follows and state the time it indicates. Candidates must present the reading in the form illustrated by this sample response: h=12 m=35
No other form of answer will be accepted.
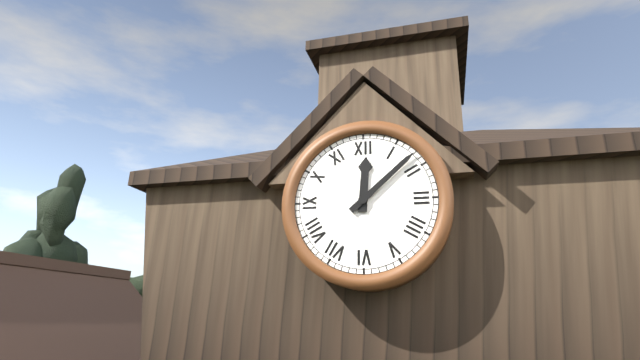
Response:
h=12 m=8
